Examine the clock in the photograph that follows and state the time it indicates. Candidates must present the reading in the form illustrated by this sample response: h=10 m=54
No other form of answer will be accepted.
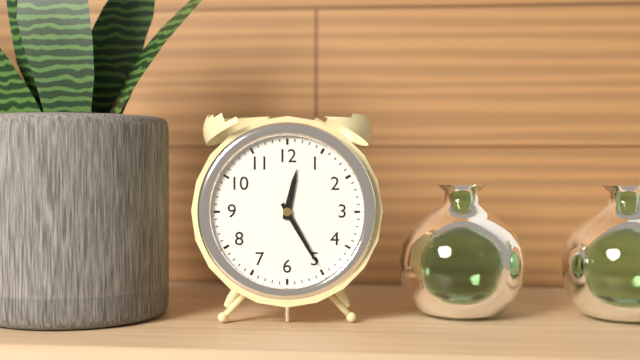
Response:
h=12 m=25
